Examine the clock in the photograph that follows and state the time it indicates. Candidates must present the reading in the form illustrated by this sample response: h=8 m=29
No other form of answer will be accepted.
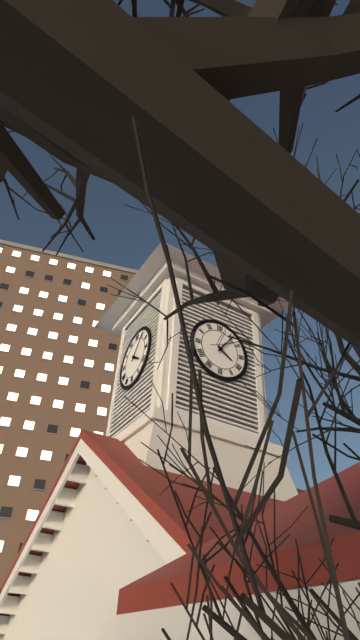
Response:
h=4 m=6
